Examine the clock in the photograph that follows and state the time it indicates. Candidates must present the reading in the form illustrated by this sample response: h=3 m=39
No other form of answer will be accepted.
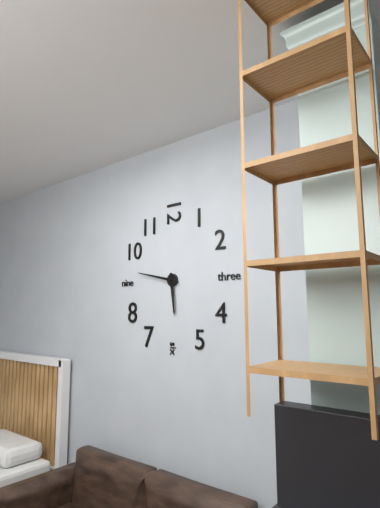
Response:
h=5 m=47
